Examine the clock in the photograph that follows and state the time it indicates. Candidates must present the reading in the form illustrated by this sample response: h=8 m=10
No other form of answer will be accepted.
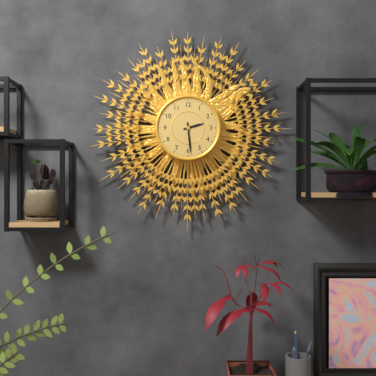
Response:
h=2 m=29
